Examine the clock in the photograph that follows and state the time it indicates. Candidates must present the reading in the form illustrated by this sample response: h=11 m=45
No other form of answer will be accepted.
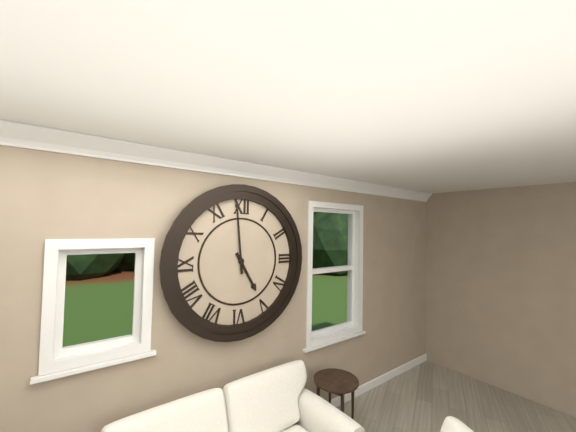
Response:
h=4 m=59
